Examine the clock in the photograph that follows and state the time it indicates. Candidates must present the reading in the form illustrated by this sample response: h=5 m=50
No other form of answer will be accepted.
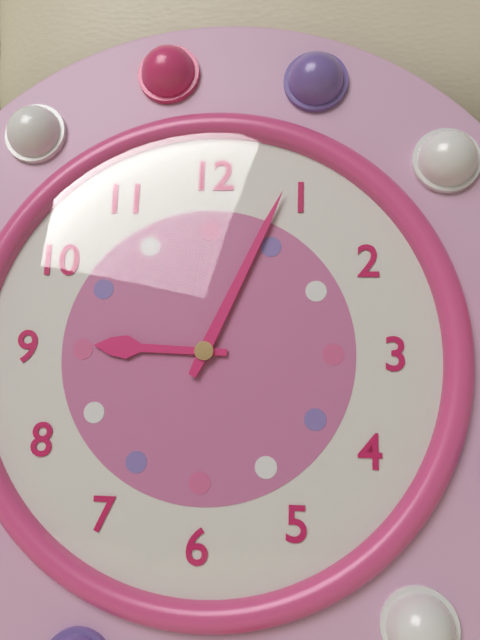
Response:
h=9 m=4
